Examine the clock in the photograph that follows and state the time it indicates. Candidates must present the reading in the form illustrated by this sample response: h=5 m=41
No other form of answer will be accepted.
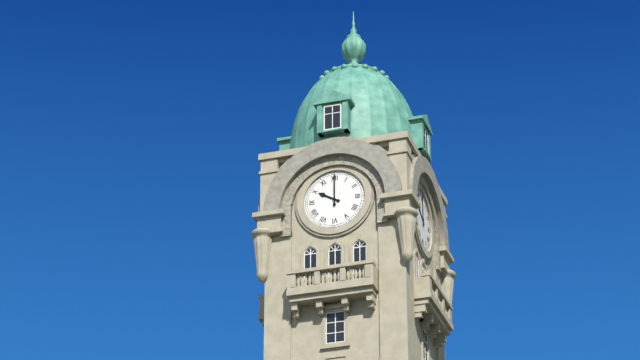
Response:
h=10 m=0
